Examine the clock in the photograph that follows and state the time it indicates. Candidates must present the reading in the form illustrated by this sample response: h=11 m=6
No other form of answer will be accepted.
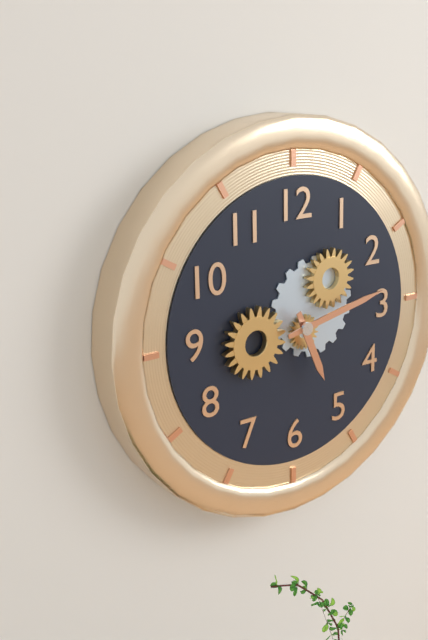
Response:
h=5 m=13
